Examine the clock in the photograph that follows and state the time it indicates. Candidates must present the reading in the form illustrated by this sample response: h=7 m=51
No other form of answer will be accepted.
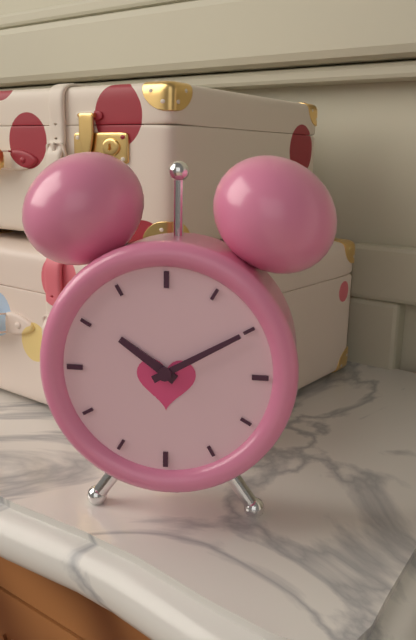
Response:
h=10 m=10
